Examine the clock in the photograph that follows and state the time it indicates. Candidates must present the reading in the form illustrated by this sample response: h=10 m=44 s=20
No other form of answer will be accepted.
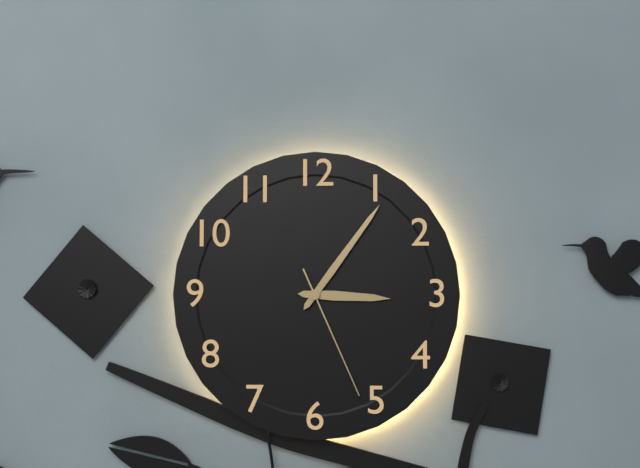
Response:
h=3 m=6 s=26
